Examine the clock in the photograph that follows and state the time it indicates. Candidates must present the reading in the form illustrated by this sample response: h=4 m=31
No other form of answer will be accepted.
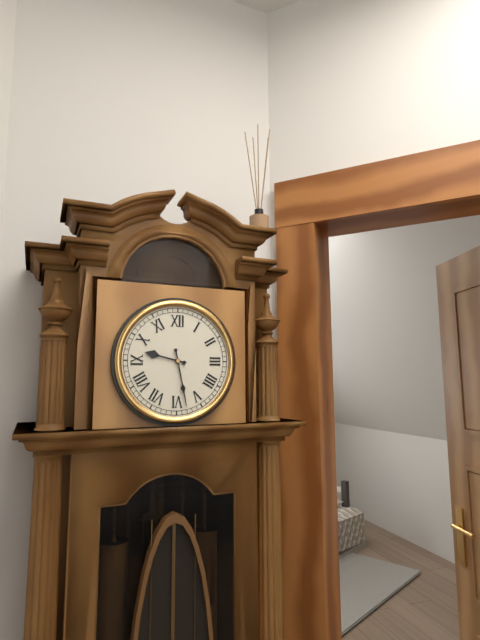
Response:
h=9 m=28
